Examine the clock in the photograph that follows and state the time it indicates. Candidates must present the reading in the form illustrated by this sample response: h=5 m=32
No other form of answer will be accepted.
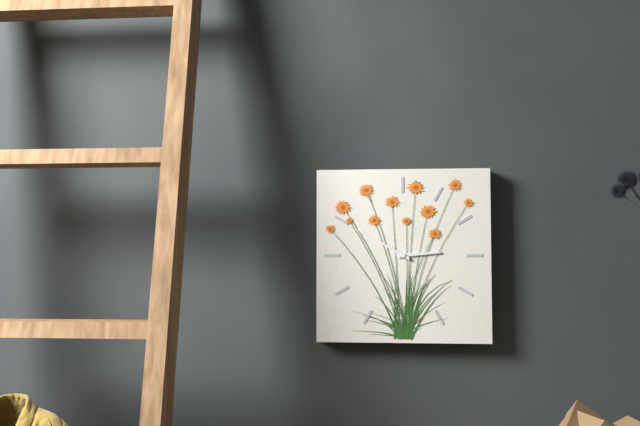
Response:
h=2 m=50
